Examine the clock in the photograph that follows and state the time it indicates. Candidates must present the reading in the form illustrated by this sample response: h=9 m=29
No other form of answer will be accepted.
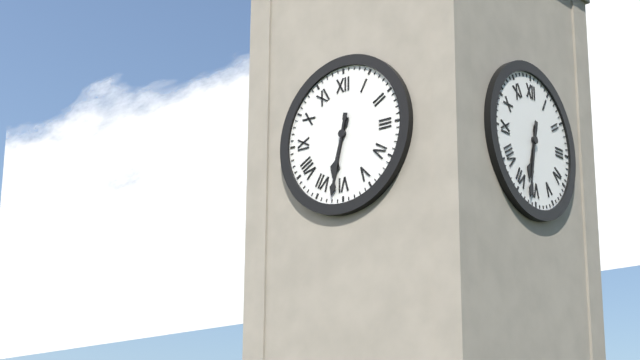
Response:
h=6 m=32
